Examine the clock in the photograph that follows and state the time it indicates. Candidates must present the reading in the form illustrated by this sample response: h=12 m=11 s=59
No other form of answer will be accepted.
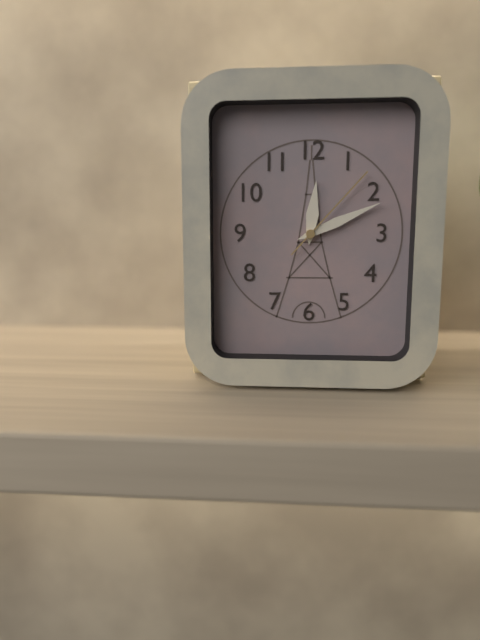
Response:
h=12 m=11 s=7
